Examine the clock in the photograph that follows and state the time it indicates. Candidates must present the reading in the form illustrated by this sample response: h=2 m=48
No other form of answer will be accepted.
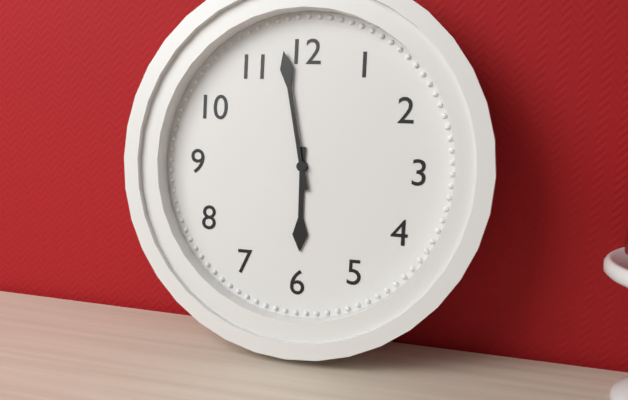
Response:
h=5 m=58
